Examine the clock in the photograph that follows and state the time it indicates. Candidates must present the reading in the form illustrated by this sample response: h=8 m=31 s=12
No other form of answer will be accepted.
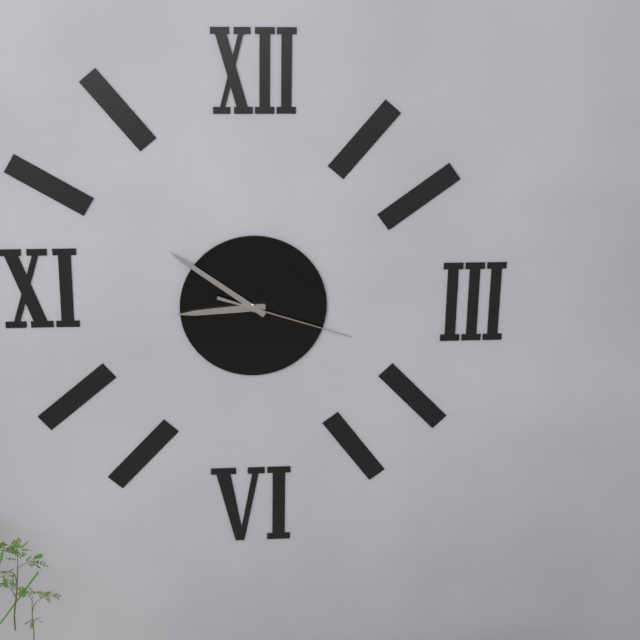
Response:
h=8 m=51 s=18
